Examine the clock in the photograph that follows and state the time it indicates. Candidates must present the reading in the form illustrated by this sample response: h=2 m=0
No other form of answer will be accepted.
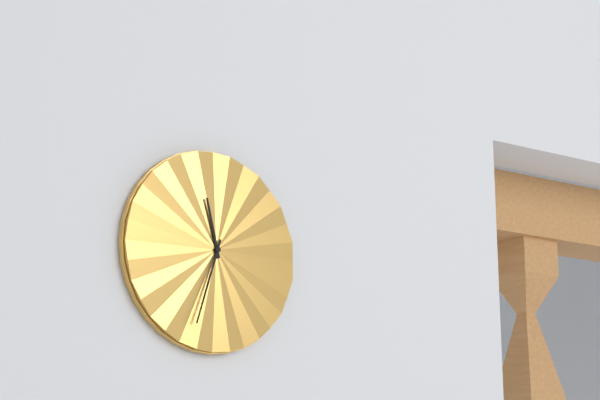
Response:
h=11 m=33
